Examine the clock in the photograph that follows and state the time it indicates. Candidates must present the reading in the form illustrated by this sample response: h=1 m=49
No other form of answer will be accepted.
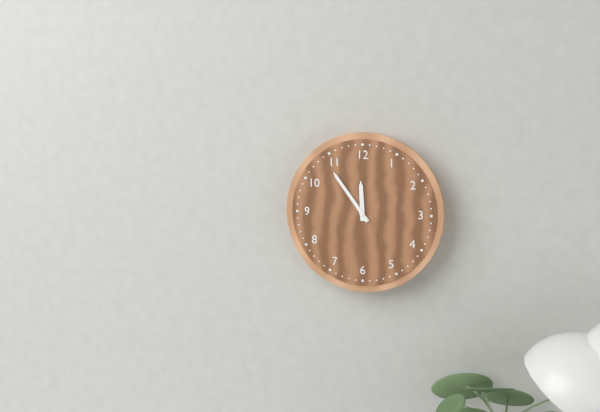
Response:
h=11 m=54
